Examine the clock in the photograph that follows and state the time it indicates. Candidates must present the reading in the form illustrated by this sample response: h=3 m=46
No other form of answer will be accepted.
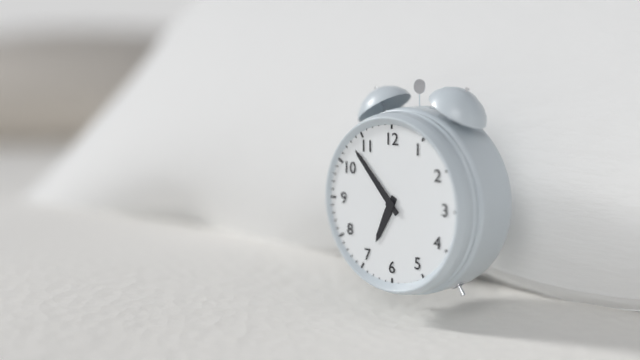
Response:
h=6 m=53
